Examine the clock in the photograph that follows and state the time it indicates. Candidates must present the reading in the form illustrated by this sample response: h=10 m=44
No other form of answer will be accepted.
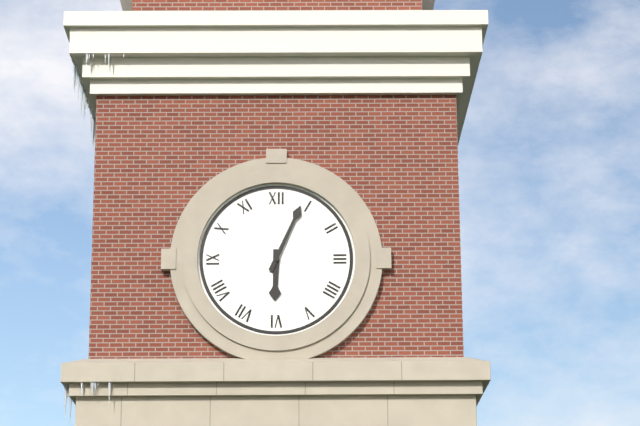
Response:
h=6 m=4
